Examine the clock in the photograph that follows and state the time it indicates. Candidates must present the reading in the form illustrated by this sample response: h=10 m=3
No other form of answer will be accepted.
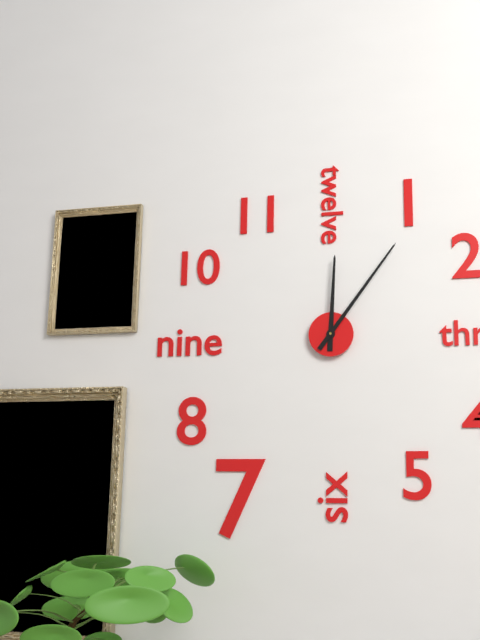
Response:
h=12 m=6
